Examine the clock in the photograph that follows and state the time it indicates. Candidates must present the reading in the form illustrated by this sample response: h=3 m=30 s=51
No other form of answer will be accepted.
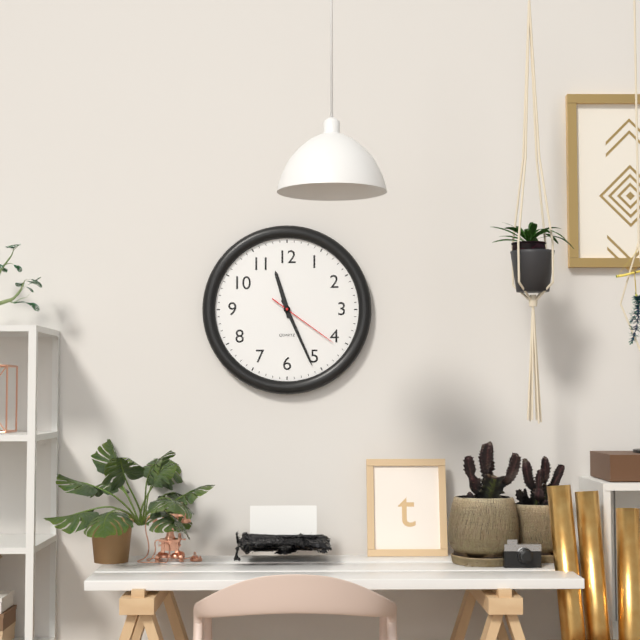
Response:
h=11 m=26 s=21
